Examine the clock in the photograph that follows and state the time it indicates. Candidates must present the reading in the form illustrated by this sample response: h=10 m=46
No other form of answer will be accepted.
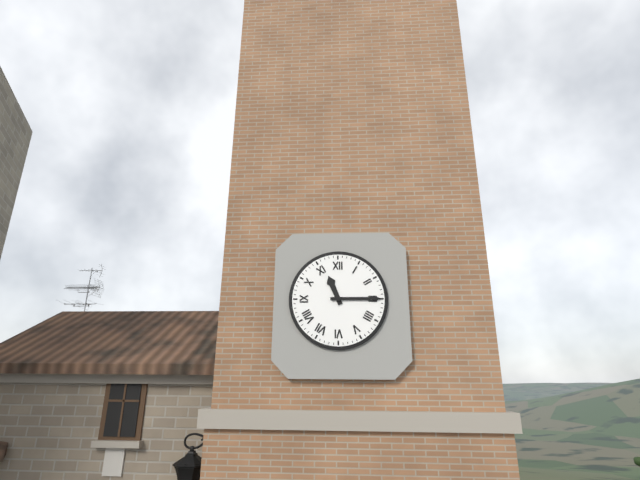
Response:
h=11 m=15
